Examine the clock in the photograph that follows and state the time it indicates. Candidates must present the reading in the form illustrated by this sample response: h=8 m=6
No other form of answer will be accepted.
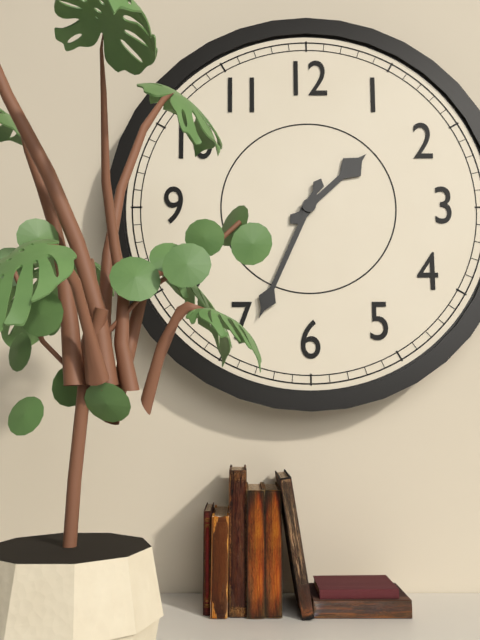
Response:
h=1 m=34
